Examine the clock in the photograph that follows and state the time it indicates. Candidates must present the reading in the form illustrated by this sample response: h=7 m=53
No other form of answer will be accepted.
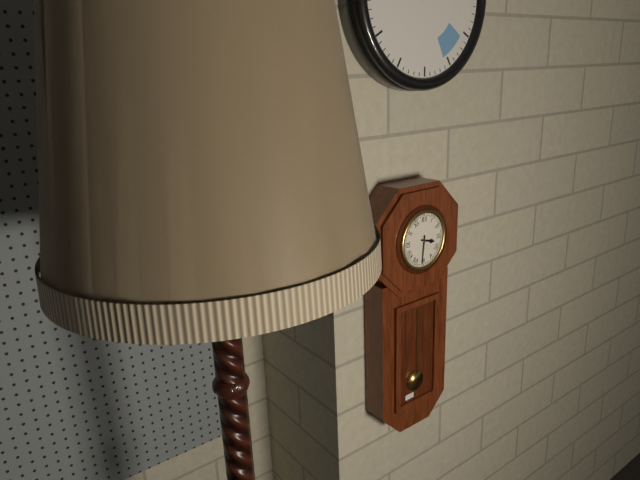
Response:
h=3 m=31
